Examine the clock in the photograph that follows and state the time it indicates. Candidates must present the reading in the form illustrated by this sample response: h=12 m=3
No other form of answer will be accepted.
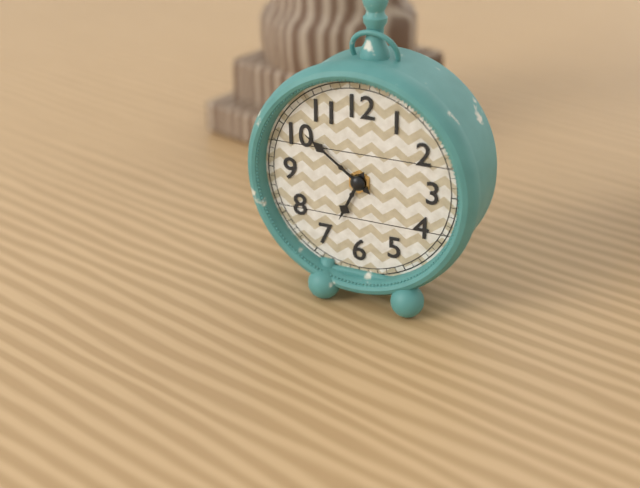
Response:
h=6 m=51
